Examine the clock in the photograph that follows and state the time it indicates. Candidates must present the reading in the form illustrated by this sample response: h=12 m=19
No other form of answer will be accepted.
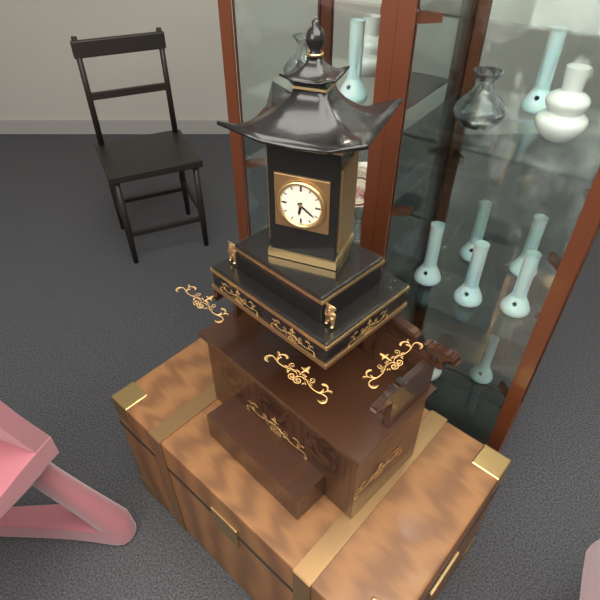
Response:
h=6 m=21
